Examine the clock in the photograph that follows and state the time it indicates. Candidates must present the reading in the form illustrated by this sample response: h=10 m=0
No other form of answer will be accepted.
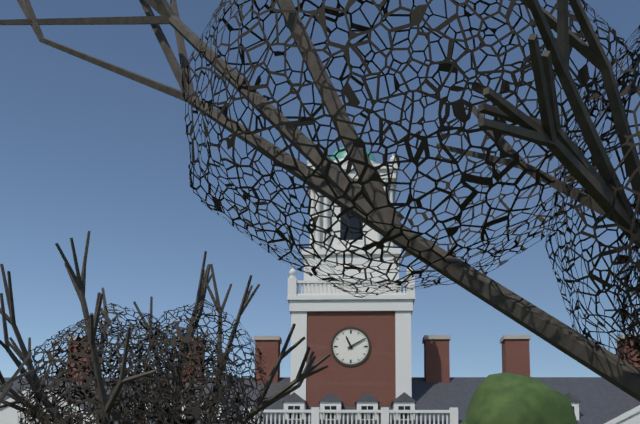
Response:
h=11 m=10
